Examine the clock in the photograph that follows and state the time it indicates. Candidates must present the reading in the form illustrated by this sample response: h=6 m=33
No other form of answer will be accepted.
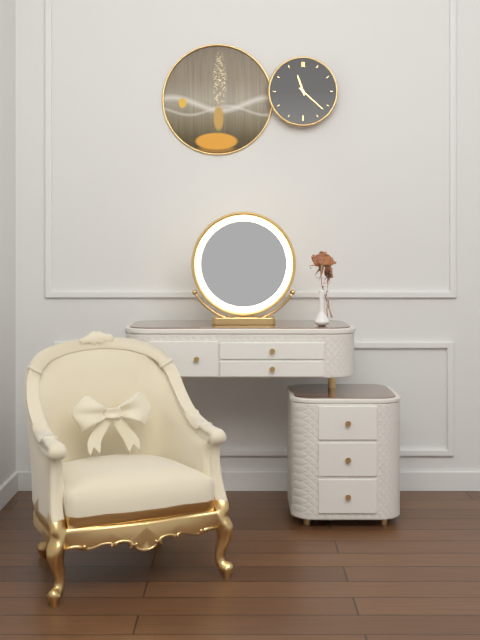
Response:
h=11 m=22
